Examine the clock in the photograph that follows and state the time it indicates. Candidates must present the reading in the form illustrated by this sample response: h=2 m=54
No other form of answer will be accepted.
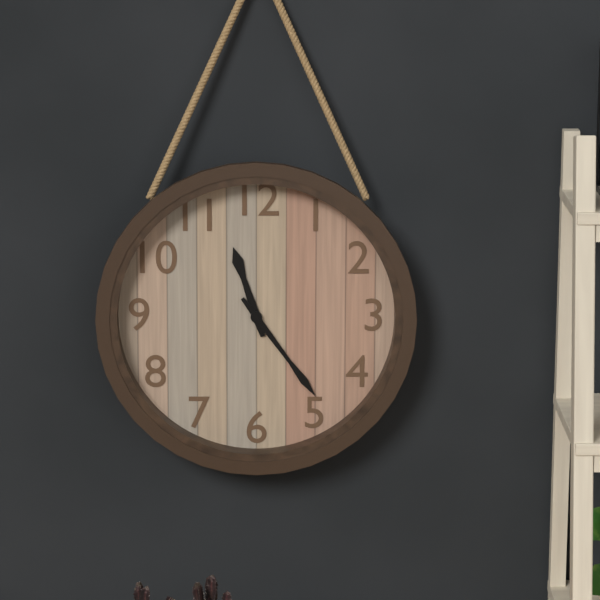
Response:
h=11 m=24
